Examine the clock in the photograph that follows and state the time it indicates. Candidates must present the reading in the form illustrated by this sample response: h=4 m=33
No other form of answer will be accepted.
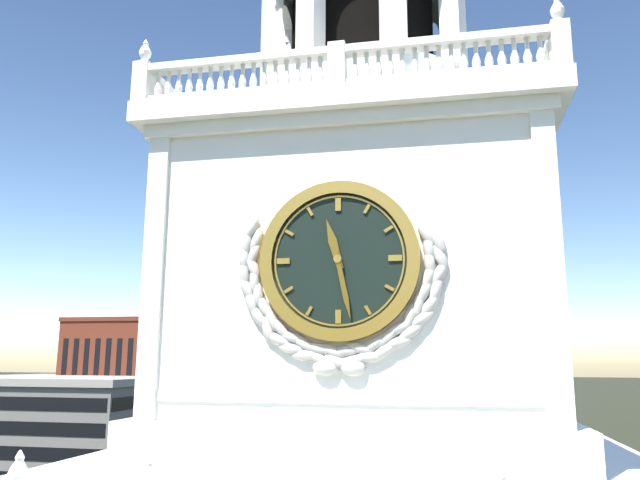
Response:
h=11 m=28
